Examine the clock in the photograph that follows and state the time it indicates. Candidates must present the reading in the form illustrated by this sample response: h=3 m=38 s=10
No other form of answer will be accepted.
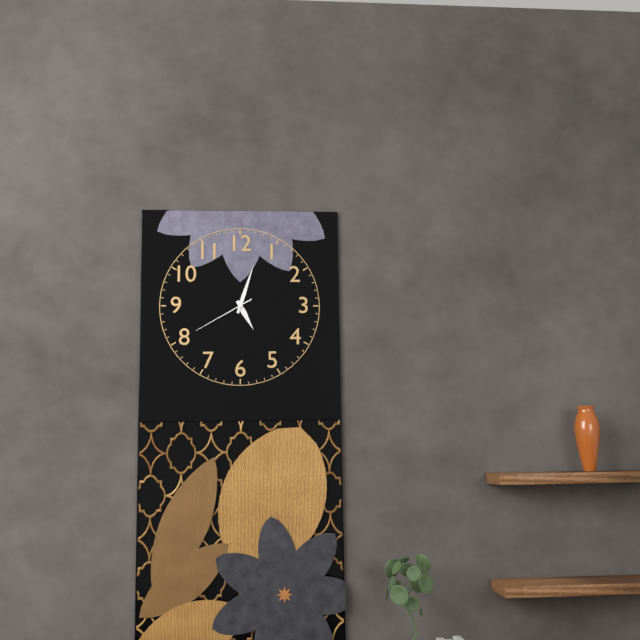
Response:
h=5 m=3 s=40
